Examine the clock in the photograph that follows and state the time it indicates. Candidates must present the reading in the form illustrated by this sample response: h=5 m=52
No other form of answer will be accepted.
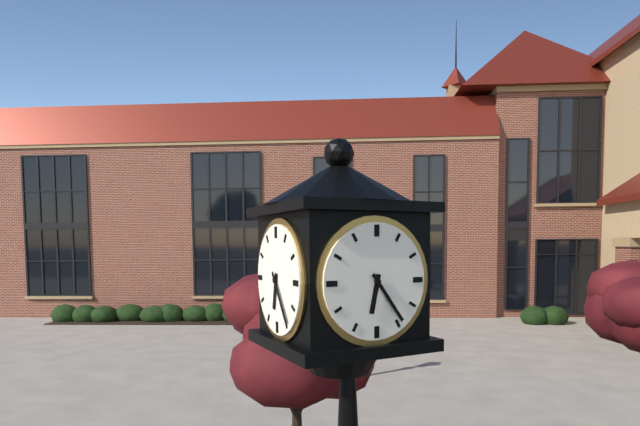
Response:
h=6 m=24
